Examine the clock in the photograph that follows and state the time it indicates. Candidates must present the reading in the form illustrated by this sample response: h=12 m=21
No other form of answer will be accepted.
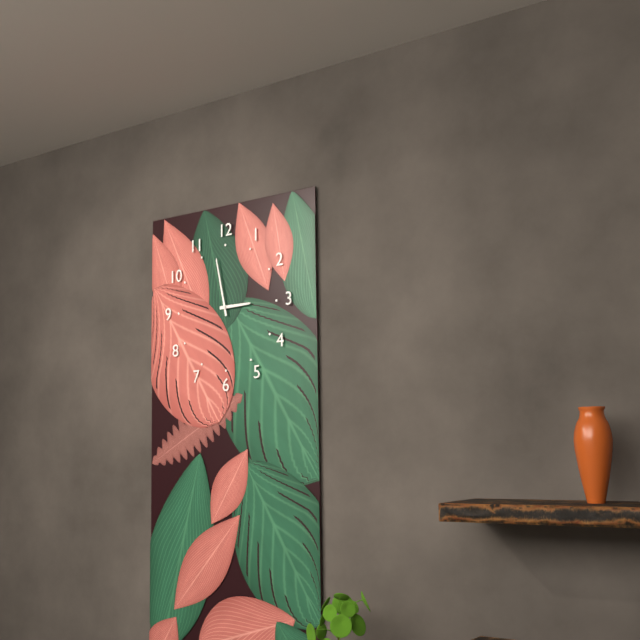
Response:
h=2 m=58
